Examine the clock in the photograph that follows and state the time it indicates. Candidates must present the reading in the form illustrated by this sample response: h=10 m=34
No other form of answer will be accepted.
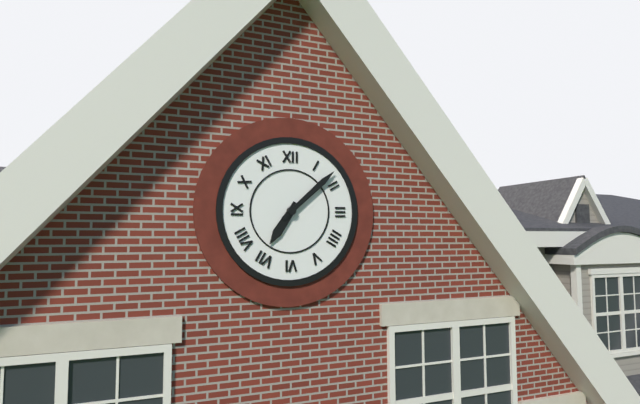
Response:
h=7 m=8
